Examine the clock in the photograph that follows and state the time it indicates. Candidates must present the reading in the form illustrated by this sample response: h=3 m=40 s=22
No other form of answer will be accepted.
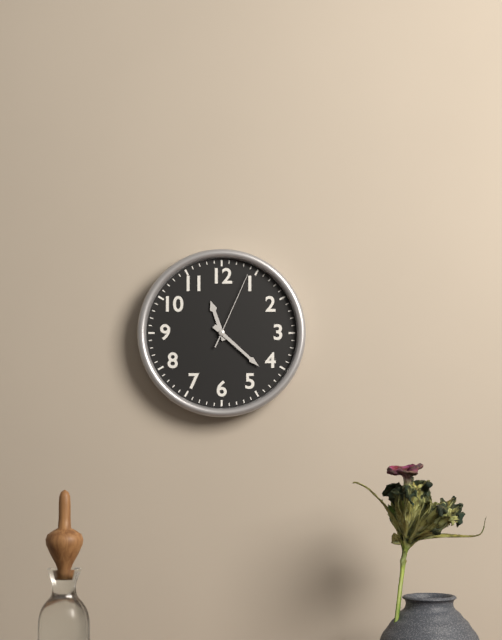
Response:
h=11 m=22 s=4
